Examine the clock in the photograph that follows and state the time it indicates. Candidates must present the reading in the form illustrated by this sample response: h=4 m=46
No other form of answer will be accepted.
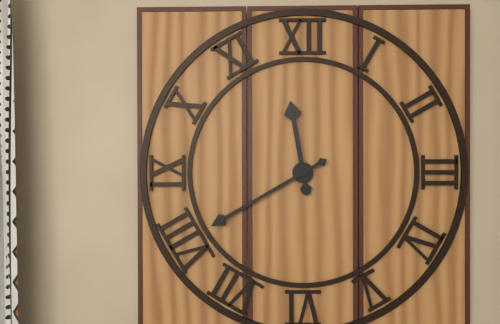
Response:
h=11 m=40
